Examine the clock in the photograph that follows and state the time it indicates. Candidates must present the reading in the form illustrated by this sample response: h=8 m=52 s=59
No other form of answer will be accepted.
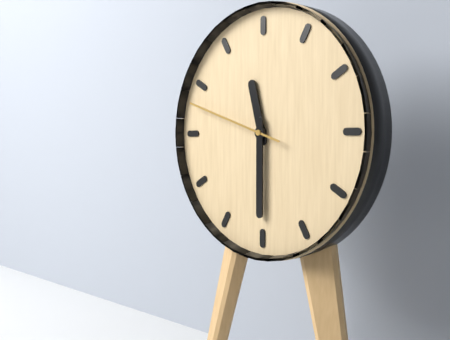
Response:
h=11 m=30 s=48
